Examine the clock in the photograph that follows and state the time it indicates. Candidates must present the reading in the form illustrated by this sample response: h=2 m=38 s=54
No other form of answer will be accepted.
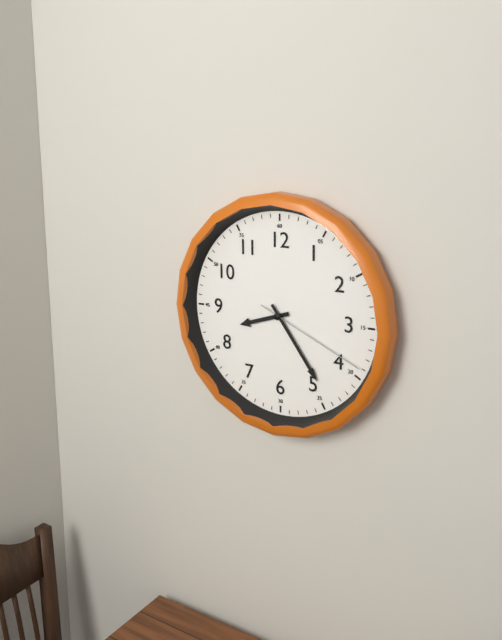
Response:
h=8 m=24 s=19
